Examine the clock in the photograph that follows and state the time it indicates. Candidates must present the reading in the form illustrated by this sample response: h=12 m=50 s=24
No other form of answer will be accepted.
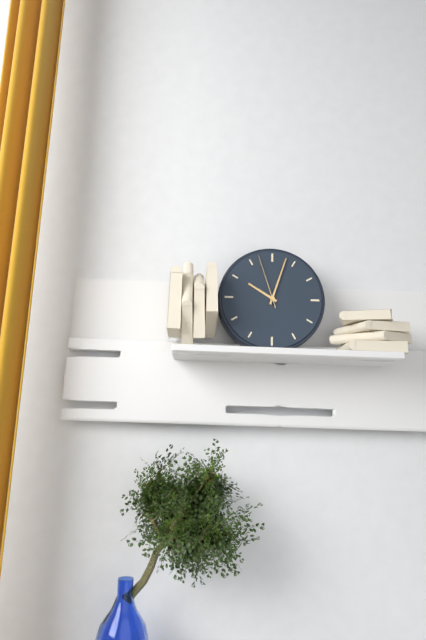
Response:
h=10 m=3 s=57
